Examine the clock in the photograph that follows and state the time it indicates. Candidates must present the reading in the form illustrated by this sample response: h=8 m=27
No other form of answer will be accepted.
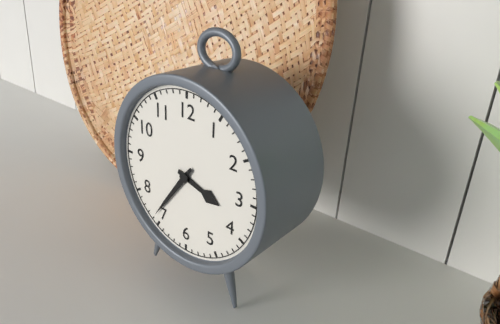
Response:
h=3 m=36
